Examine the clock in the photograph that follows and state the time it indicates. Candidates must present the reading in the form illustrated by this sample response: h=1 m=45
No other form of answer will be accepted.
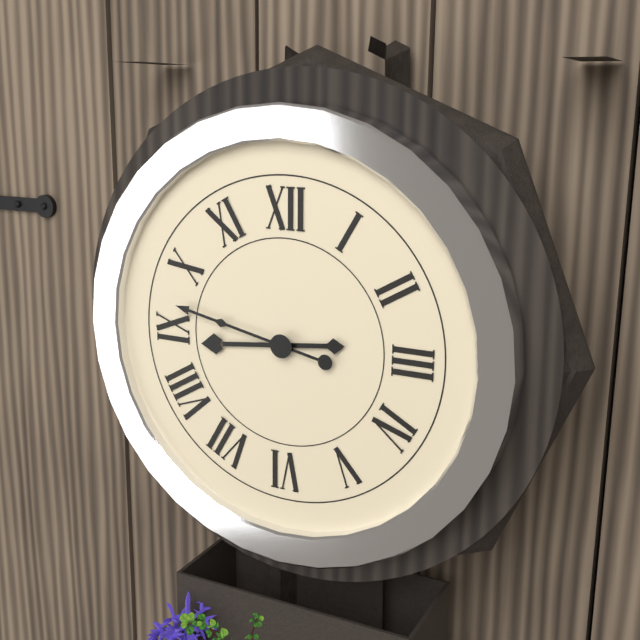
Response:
h=8 m=47
